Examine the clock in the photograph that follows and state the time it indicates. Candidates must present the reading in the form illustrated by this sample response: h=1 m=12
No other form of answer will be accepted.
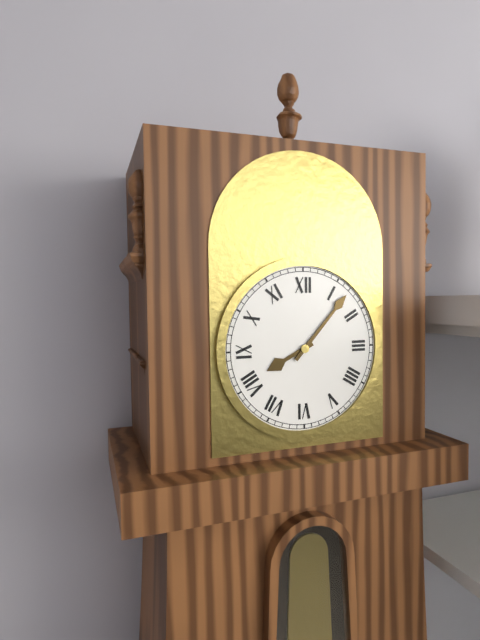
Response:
h=8 m=7
